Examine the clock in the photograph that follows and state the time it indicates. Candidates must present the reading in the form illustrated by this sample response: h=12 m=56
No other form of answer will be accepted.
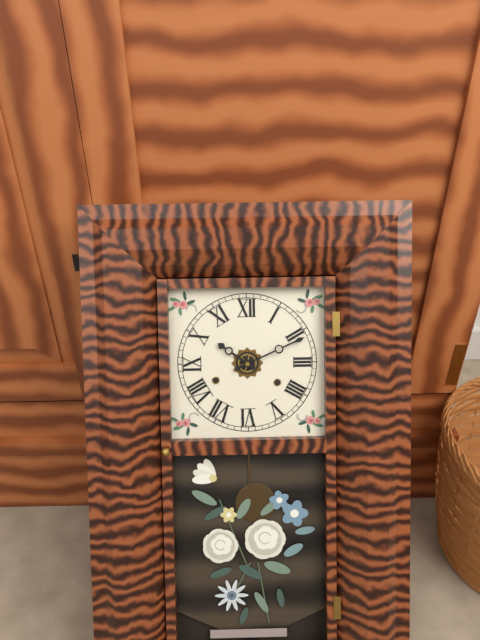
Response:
h=10 m=11
